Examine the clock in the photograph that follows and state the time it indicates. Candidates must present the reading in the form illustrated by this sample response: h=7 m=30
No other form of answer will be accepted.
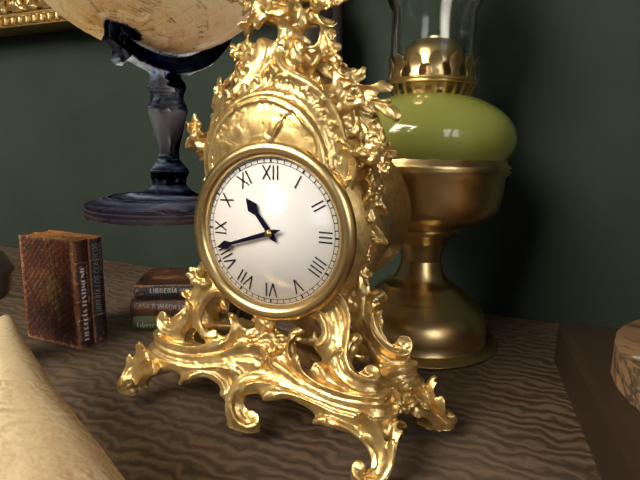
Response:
h=10 m=42
